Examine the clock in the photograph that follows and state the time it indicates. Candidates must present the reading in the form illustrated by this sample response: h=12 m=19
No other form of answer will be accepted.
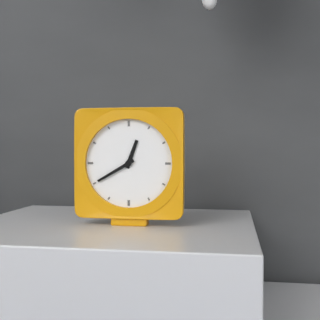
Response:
h=12 m=40
